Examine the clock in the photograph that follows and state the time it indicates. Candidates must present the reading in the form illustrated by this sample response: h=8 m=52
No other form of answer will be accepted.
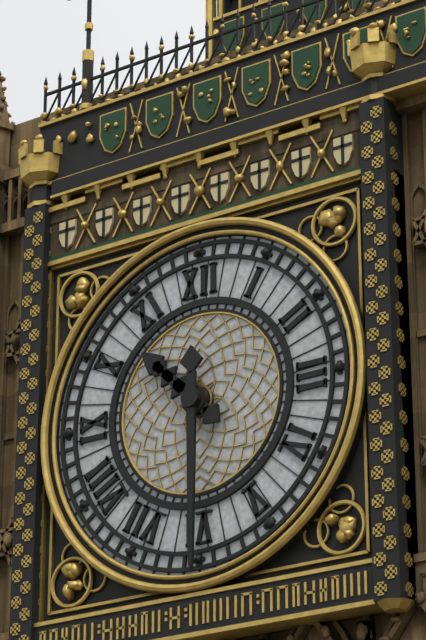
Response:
h=10 m=30
